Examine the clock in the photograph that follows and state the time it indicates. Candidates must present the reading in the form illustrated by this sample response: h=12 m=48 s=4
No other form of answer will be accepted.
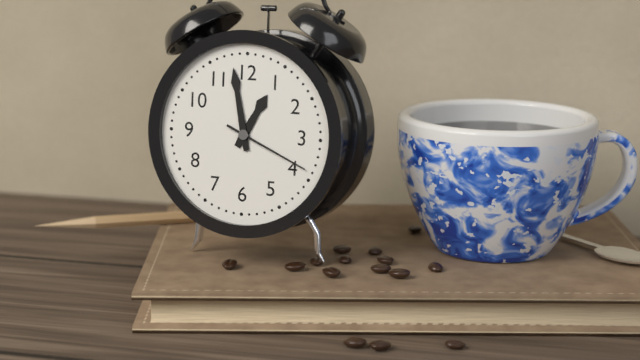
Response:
h=12 m=58 s=19
